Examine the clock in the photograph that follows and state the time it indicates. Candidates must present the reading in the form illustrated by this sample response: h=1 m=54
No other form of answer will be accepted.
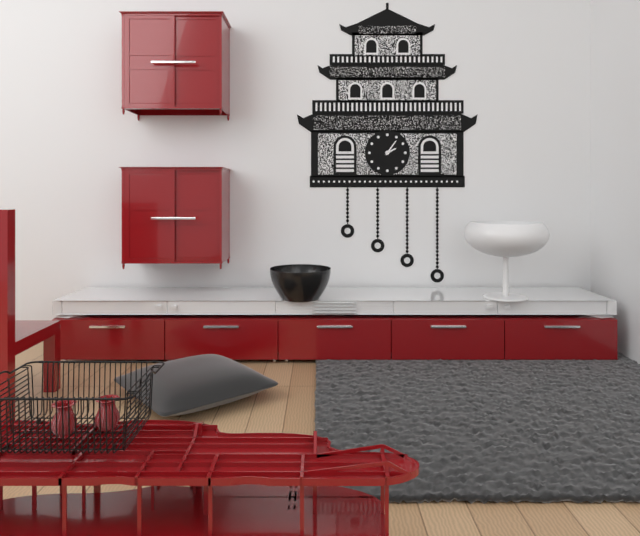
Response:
h=2 m=6
